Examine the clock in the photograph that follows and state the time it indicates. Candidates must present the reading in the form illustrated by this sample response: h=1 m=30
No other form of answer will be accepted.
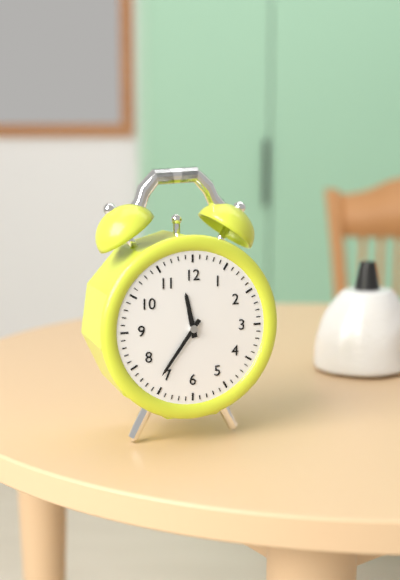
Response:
h=11 m=36
